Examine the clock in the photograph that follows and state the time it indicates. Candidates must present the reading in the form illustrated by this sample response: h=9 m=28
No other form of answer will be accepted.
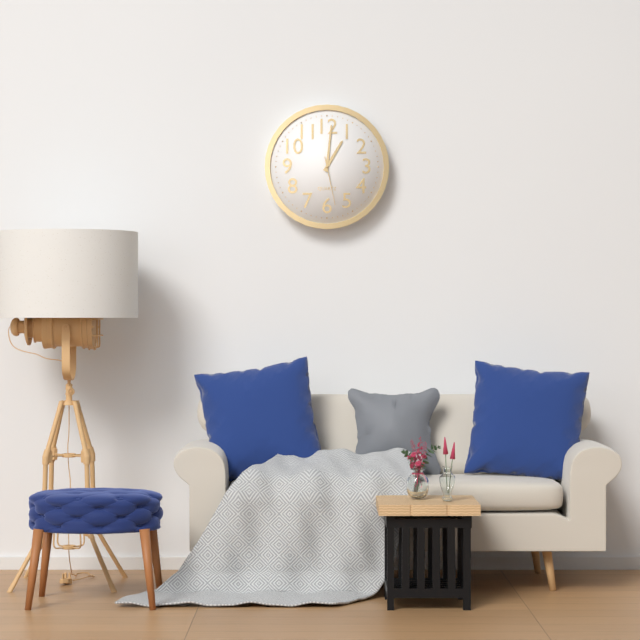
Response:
h=1 m=1
